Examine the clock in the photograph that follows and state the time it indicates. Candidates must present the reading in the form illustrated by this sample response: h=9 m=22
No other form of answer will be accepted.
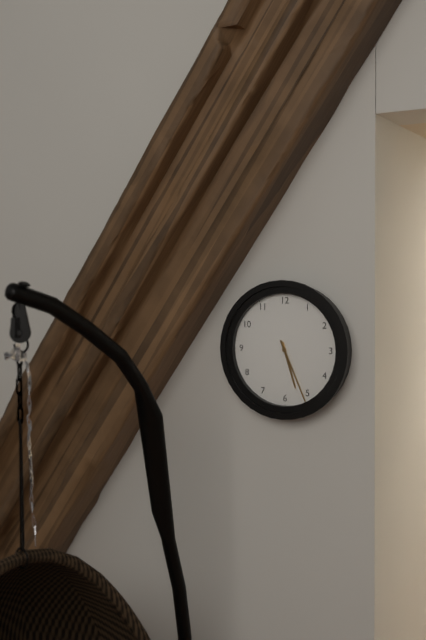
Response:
h=5 m=26
